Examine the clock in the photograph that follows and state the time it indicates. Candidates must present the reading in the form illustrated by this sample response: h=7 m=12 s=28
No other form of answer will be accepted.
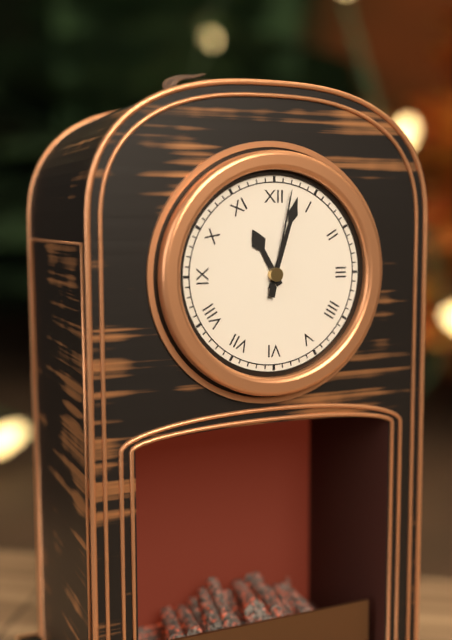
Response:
h=11 m=3 s=2
